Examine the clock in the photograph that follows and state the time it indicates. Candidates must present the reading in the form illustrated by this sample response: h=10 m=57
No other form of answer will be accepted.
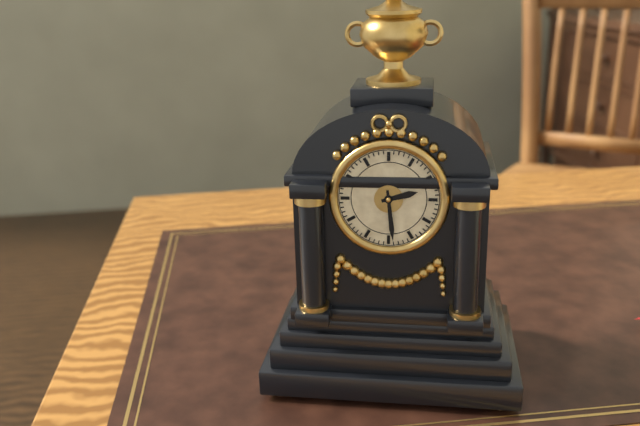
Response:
h=2 m=29
